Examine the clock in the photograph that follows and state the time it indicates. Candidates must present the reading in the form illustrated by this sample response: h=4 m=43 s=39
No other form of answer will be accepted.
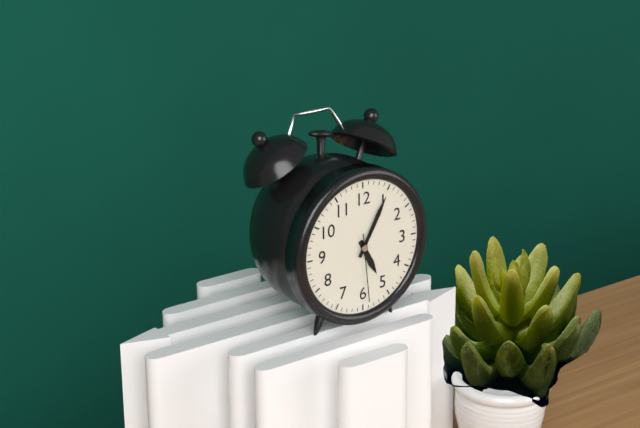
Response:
h=5 m=5 s=29
